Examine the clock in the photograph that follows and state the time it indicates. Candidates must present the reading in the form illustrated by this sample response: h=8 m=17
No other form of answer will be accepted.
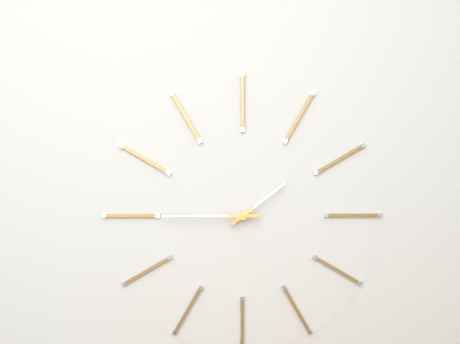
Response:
h=1 m=45
